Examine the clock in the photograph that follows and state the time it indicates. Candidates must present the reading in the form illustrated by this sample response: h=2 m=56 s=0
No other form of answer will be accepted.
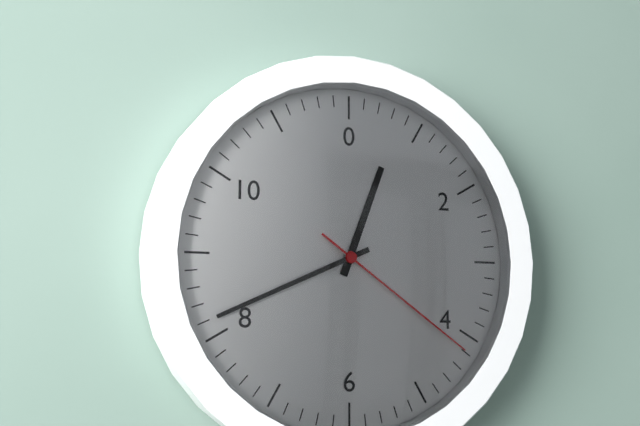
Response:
h=12 m=41 s=21
